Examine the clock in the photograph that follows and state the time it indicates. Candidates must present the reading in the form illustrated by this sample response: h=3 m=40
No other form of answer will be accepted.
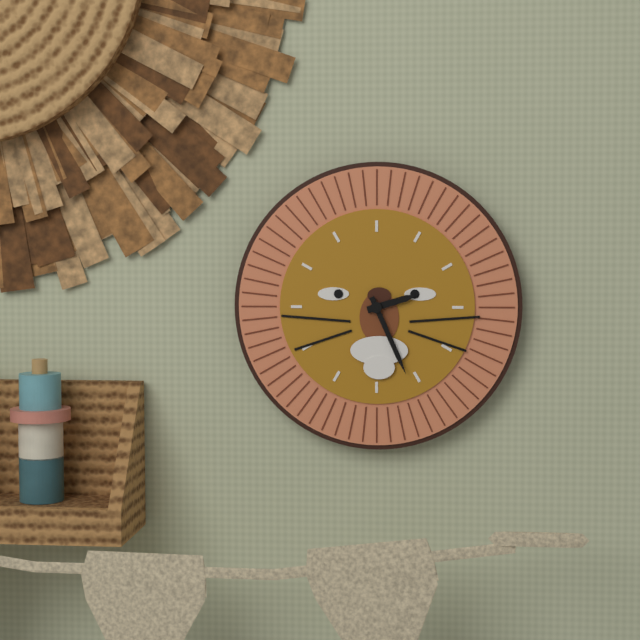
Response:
h=2 m=26
